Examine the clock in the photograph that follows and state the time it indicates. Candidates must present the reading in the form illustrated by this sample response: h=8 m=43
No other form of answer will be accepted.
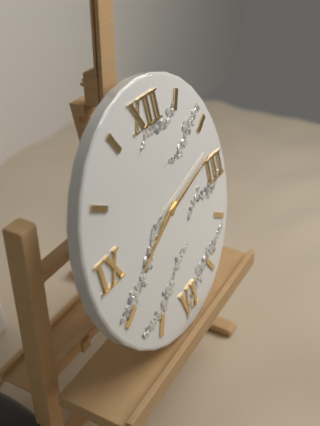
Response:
h=8 m=13
